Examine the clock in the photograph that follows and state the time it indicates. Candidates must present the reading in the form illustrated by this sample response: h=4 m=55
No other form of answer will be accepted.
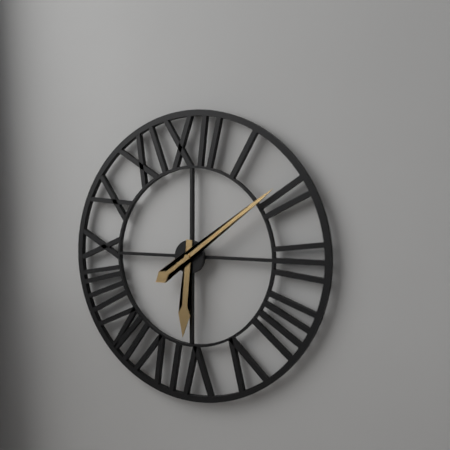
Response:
h=6 m=9
